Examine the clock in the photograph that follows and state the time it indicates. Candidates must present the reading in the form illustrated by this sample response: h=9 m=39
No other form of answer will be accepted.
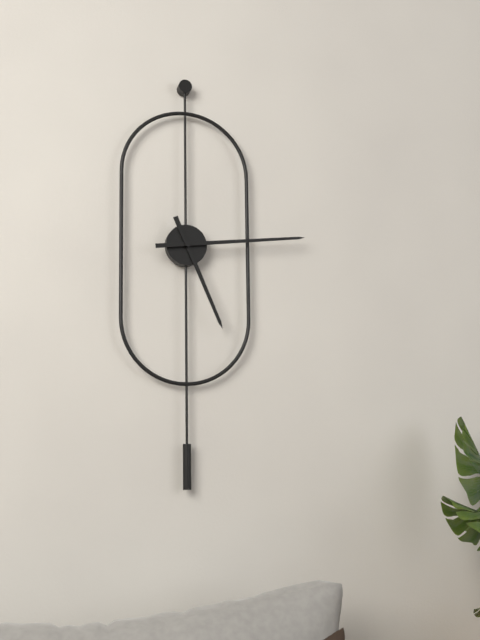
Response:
h=5 m=14
